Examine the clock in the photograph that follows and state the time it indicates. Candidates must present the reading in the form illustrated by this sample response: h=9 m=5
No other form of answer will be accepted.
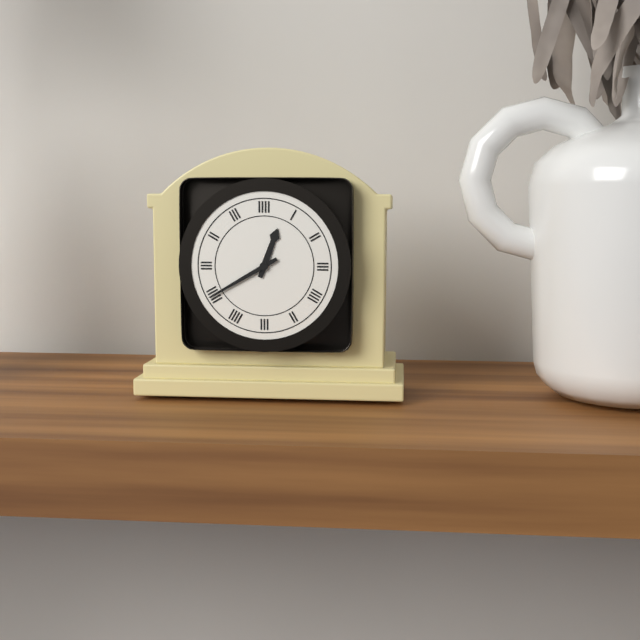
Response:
h=12 m=40
